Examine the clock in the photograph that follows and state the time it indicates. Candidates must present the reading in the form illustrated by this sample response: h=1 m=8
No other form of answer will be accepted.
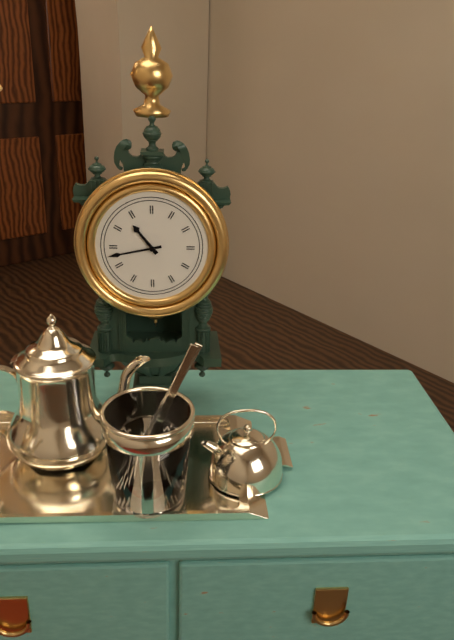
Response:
h=10 m=43
